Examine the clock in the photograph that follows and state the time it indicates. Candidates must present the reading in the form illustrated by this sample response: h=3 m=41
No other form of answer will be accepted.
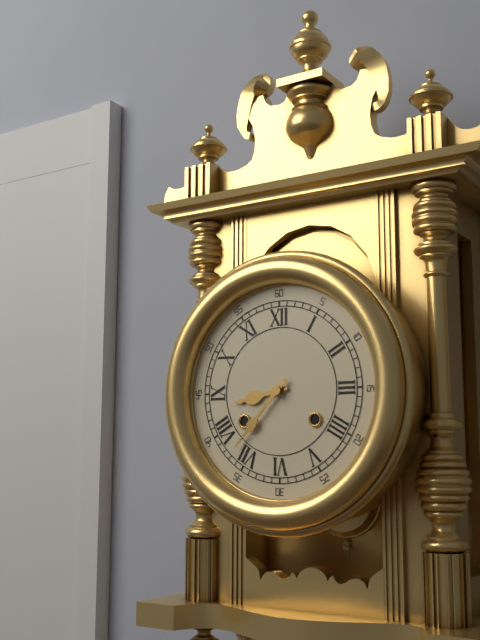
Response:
h=8 m=37
